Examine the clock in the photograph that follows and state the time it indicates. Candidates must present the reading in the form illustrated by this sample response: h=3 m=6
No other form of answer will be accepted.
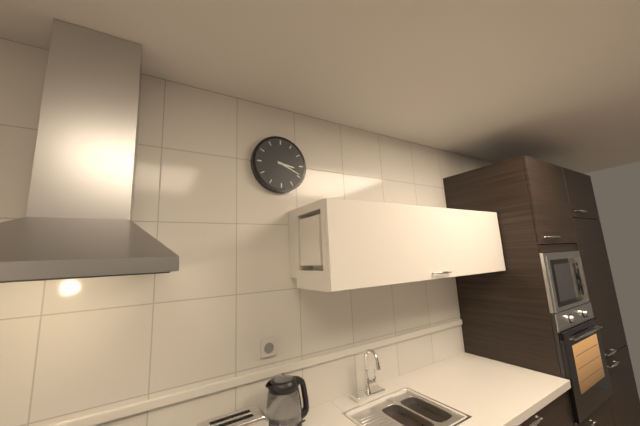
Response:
h=3 m=19
